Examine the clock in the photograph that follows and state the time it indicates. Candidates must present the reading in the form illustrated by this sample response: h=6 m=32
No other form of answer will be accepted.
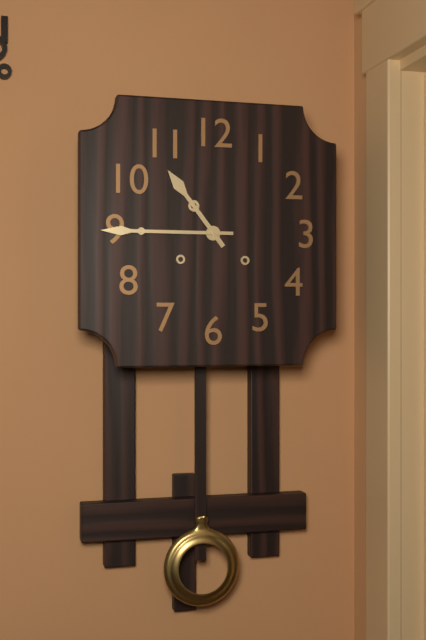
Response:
h=10 m=45
